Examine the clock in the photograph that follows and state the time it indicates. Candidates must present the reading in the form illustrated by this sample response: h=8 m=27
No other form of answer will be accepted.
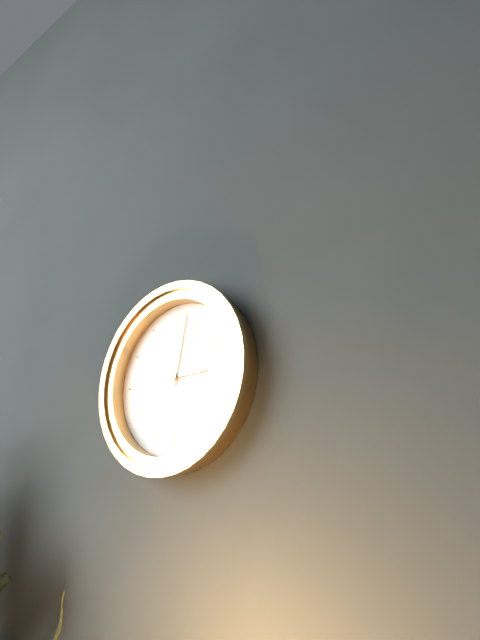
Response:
h=3 m=2
